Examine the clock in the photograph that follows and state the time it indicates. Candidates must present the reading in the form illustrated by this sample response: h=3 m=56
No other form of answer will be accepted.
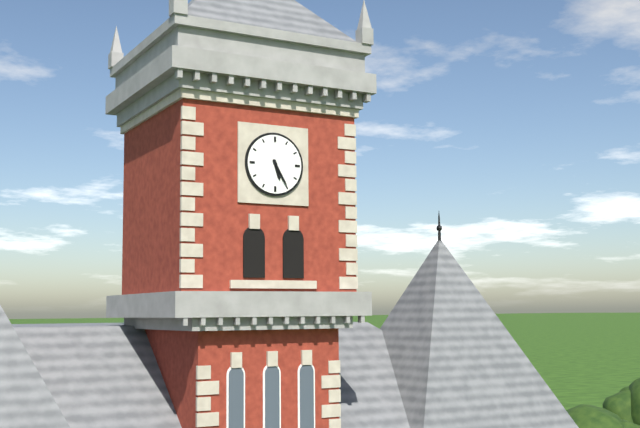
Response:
h=5 m=25
